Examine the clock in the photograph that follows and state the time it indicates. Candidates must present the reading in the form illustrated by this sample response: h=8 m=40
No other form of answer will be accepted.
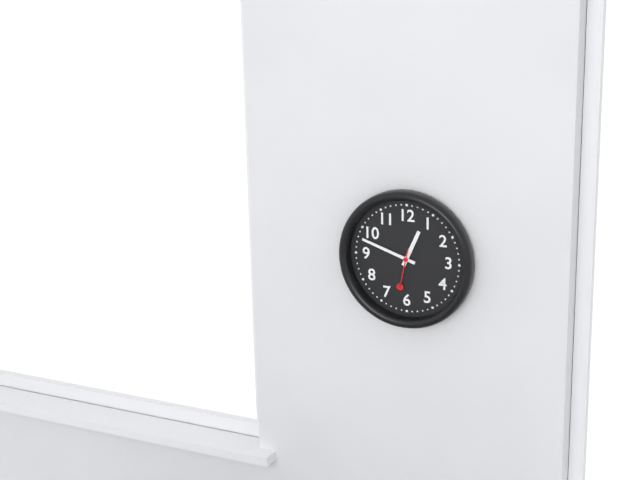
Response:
h=12 m=48
